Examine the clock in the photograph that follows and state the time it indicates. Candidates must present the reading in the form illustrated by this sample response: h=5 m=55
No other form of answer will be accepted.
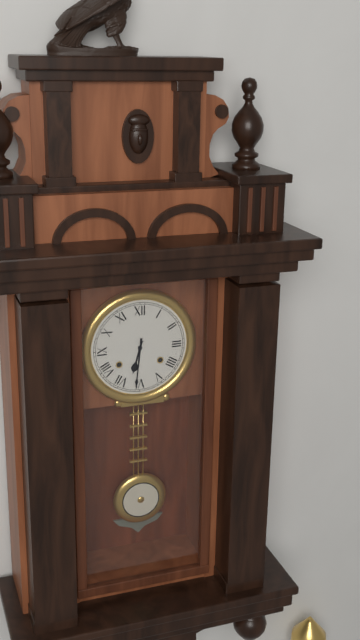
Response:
h=6 m=31
